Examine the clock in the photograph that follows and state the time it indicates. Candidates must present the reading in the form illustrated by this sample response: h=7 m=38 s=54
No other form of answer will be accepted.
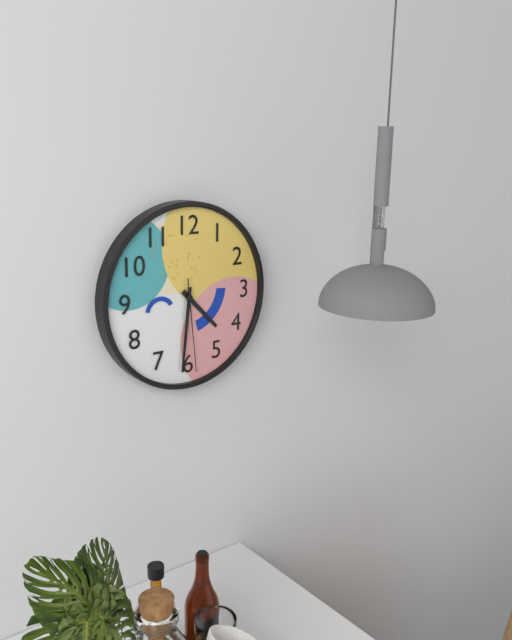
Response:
h=4 m=31 s=29
